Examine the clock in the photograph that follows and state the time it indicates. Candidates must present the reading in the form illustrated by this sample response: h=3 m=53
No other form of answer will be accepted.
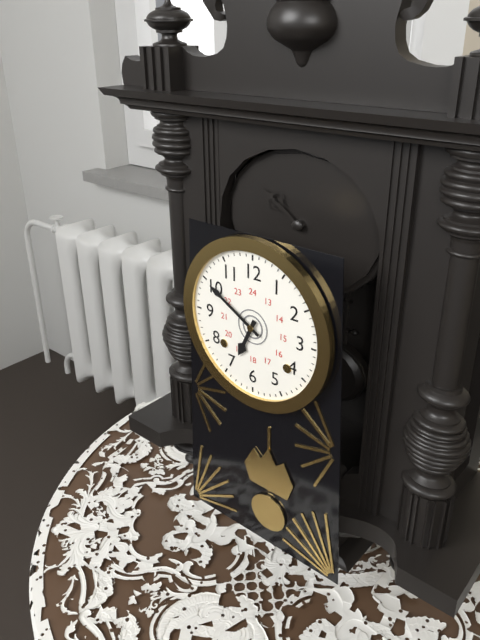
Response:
h=6 m=50
